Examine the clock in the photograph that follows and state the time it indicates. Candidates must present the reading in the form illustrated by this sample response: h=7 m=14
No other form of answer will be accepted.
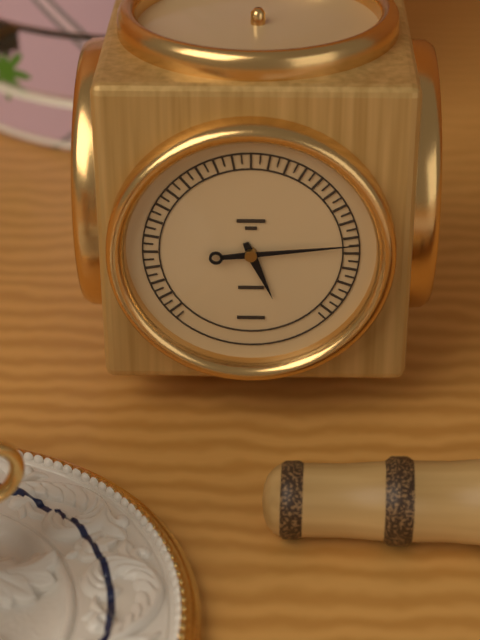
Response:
h=5 m=14
